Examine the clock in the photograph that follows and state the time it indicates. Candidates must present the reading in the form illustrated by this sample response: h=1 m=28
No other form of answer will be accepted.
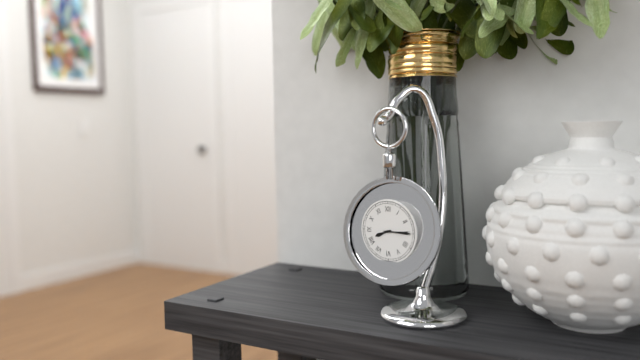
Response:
h=8 m=15
